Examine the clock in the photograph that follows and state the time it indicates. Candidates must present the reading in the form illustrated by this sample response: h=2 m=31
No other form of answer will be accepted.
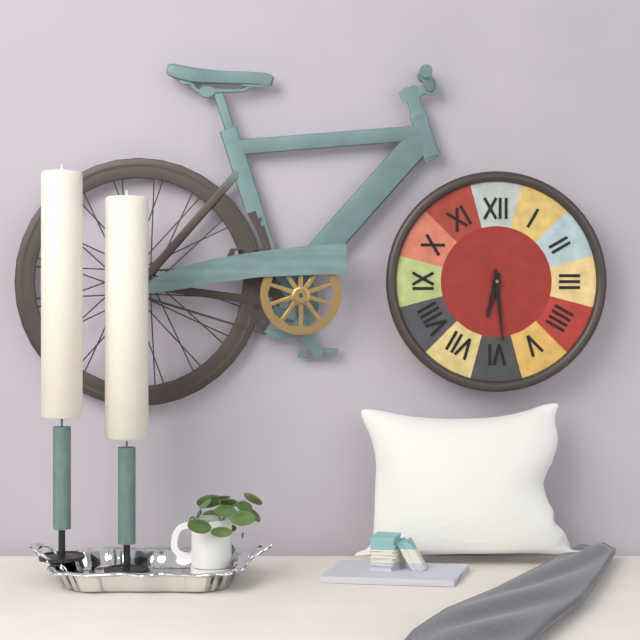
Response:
h=6 m=29
